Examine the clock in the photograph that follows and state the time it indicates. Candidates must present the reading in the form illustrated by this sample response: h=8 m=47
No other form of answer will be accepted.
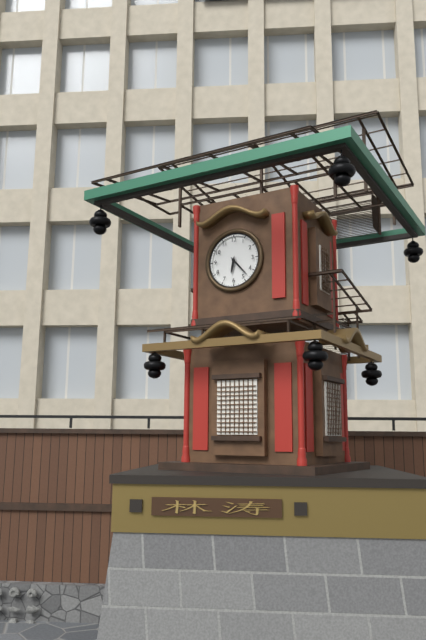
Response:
h=6 m=23
